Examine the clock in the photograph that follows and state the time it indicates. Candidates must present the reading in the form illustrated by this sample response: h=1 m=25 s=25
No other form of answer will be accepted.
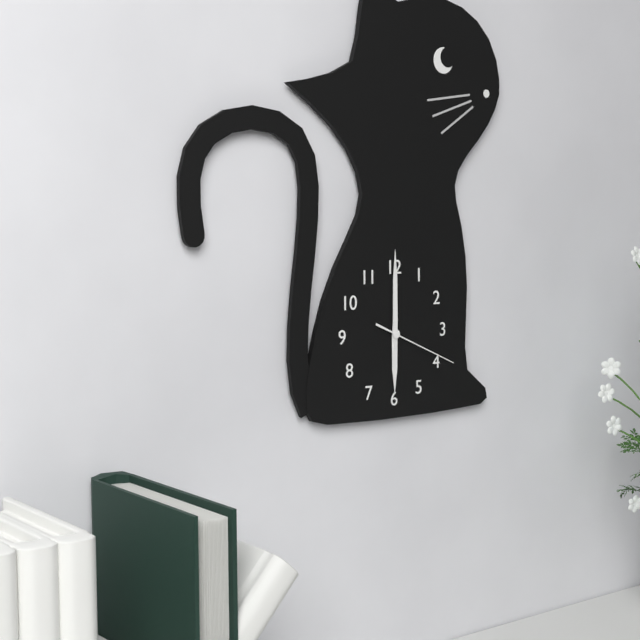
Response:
h=6 m=0 s=19
